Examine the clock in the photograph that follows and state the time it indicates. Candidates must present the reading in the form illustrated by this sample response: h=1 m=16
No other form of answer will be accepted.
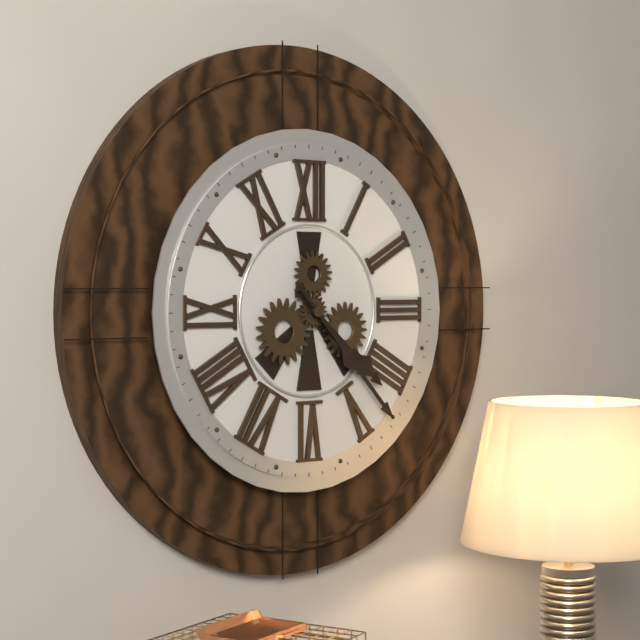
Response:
h=4 m=23
